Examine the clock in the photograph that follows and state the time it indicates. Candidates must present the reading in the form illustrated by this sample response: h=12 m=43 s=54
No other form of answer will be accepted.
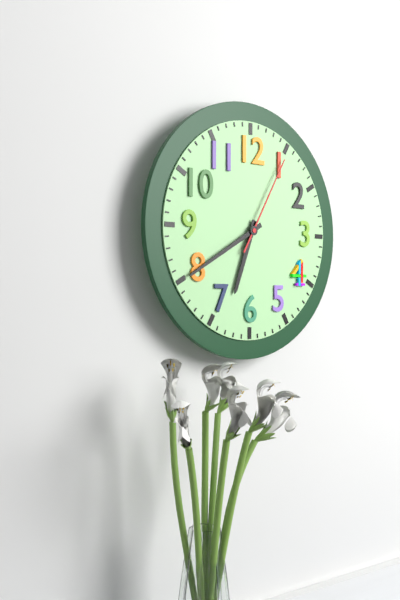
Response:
h=6 m=40 s=5
